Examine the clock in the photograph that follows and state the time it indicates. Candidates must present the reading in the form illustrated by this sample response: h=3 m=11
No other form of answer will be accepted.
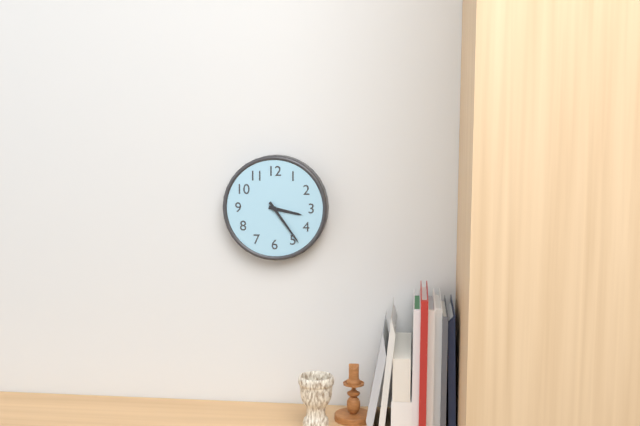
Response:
h=3 m=24
